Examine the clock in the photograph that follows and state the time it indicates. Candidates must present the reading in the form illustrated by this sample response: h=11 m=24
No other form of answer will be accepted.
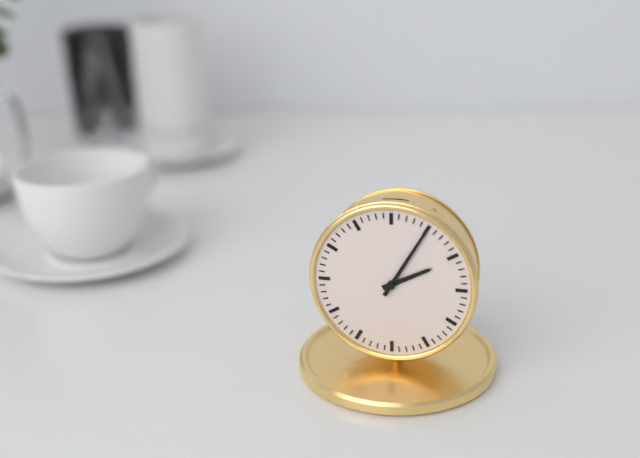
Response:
h=2 m=5
